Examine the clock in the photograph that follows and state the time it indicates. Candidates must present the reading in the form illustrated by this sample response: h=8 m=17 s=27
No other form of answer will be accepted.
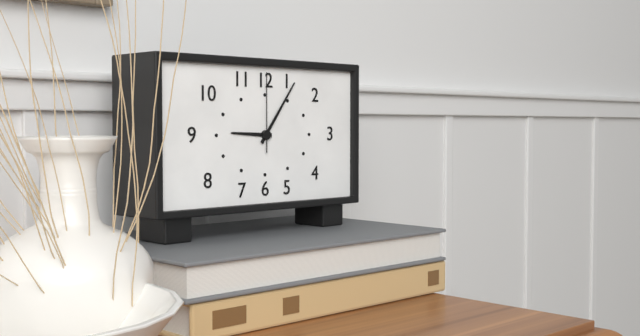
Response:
h=9 m=6 s=0
